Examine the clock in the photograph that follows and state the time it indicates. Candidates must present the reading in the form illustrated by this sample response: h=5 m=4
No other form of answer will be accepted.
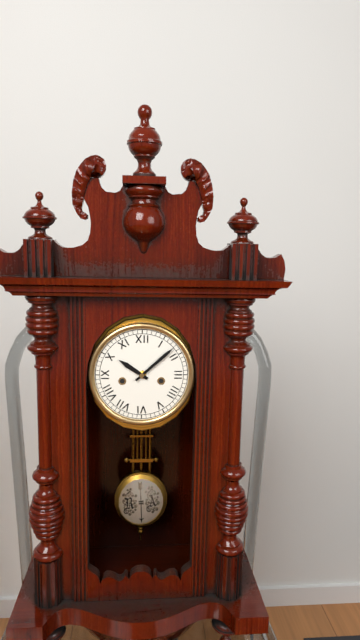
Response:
h=10 m=8
